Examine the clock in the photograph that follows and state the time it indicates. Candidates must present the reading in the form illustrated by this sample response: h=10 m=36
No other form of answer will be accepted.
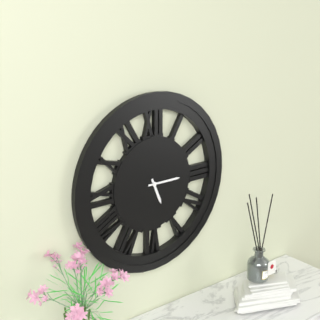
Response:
h=5 m=15
